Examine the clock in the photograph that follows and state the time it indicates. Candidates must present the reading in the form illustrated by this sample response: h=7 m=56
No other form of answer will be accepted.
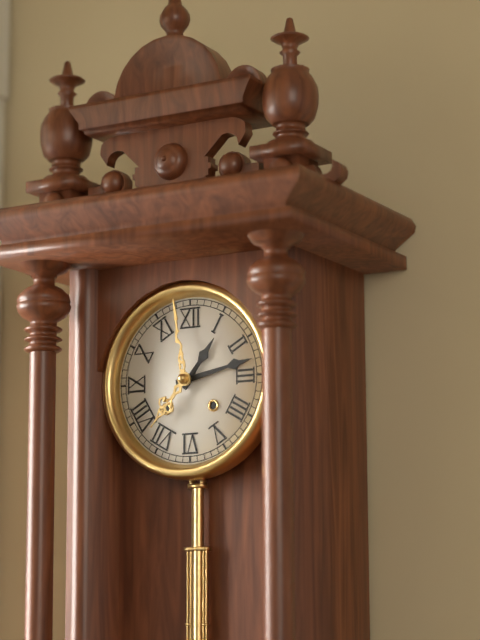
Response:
h=1 m=13
